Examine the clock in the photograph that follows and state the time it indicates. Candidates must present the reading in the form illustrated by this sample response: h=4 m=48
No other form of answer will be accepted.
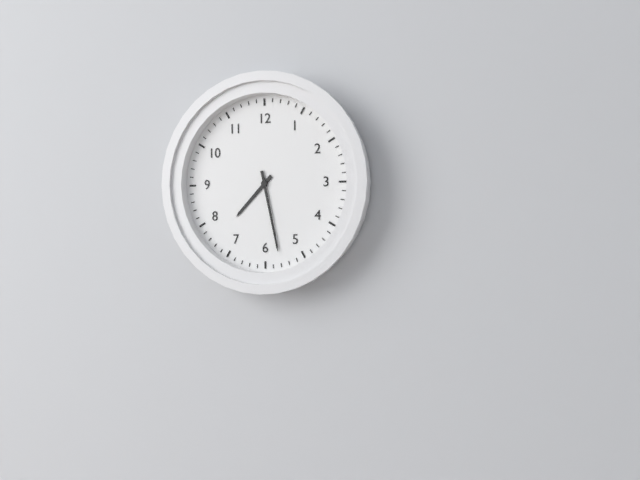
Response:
h=7 m=28
